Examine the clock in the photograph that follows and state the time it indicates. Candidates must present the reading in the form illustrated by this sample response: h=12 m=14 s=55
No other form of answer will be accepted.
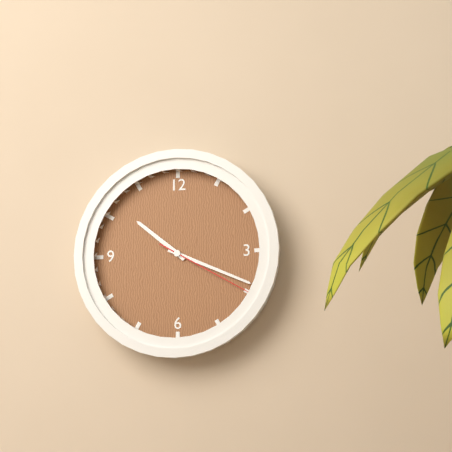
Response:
h=10 m=19 s=20
